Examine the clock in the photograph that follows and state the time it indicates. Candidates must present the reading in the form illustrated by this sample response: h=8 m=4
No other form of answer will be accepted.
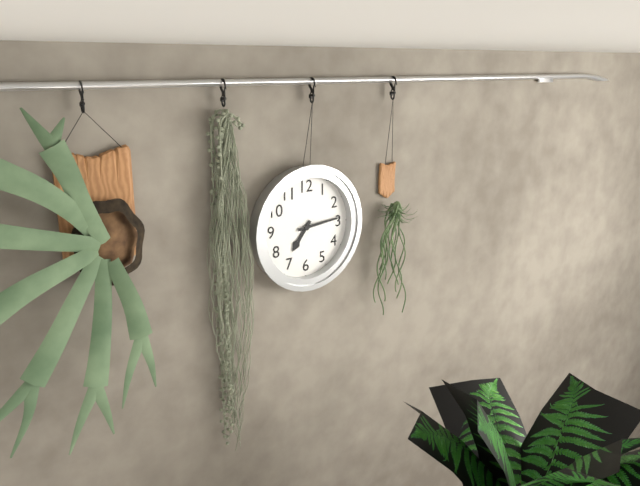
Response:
h=7 m=14
